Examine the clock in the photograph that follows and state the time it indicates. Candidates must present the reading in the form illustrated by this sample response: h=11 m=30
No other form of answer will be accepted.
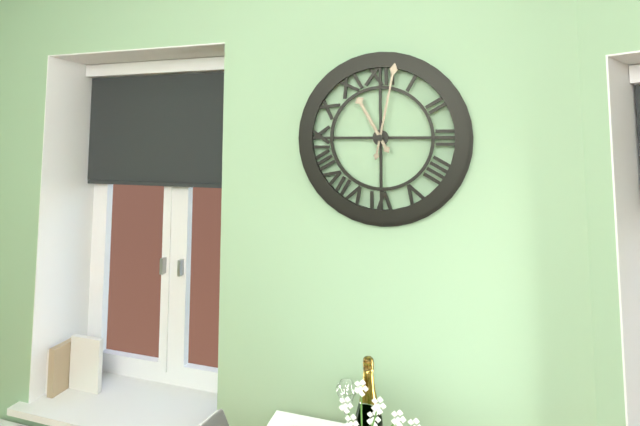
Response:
h=11 m=2
